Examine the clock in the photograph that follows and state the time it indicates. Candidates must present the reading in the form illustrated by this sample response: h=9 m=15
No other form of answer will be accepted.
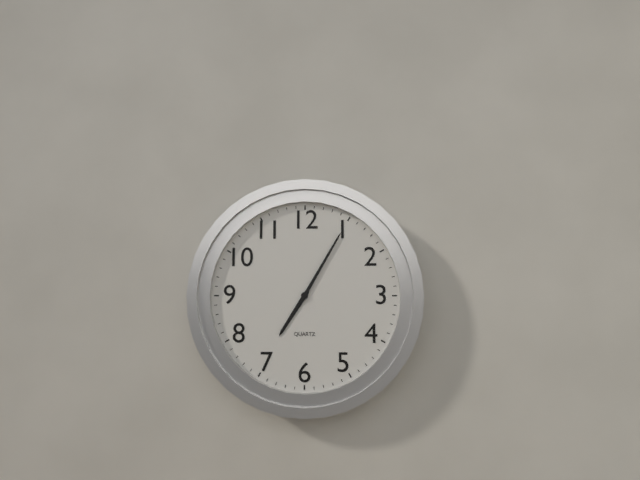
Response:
h=7 m=5
